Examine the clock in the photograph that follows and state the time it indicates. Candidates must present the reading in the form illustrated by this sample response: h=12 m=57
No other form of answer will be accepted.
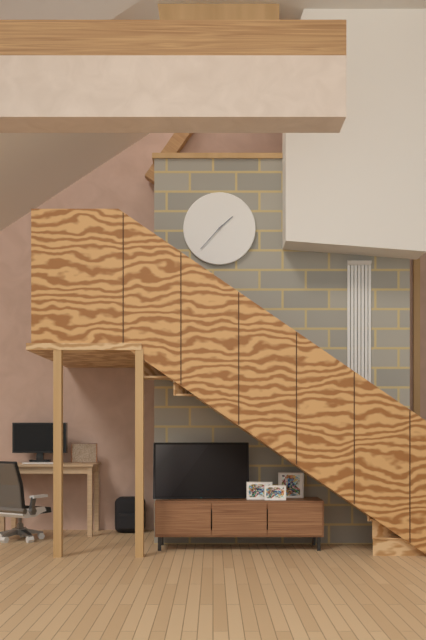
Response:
h=1 m=37
